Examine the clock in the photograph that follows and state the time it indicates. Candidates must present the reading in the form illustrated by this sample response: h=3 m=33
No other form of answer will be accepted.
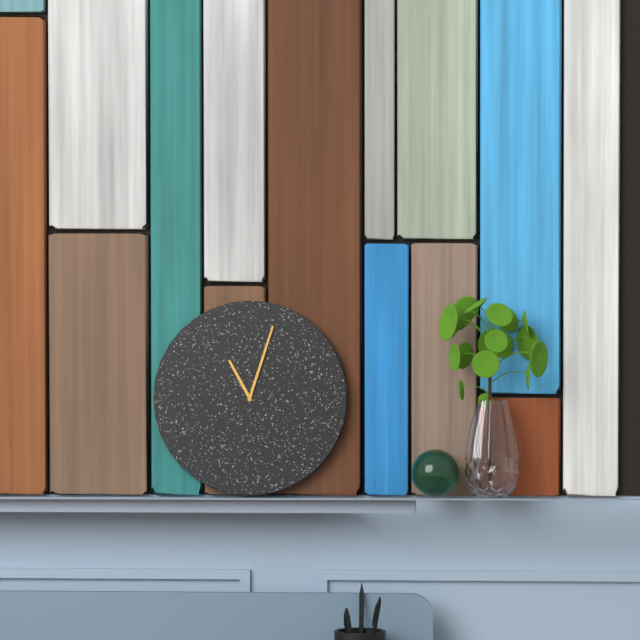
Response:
h=11 m=3
